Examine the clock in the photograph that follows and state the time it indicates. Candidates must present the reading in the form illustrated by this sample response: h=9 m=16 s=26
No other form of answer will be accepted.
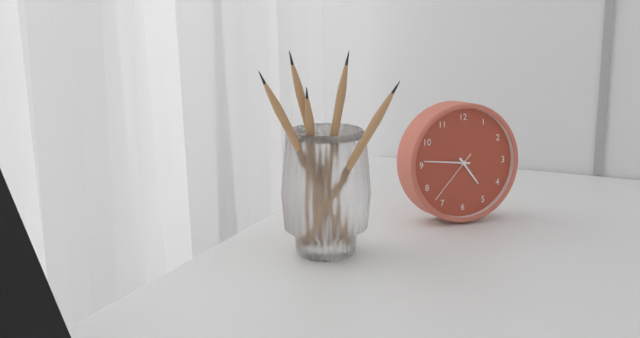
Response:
h=4 m=46 s=37
